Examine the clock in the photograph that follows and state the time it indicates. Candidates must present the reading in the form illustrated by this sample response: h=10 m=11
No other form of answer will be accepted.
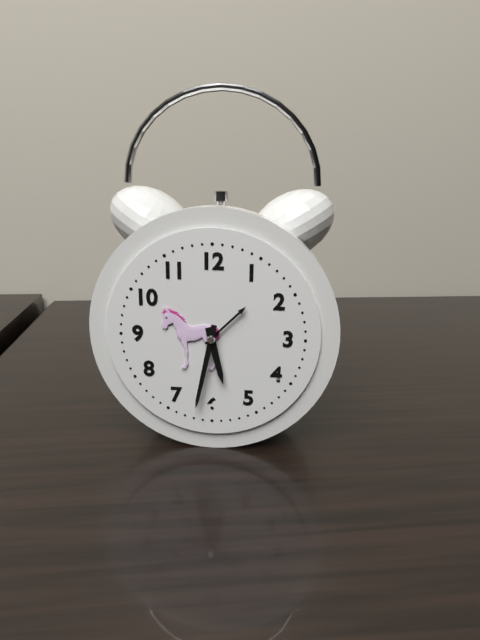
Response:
h=5 m=32
